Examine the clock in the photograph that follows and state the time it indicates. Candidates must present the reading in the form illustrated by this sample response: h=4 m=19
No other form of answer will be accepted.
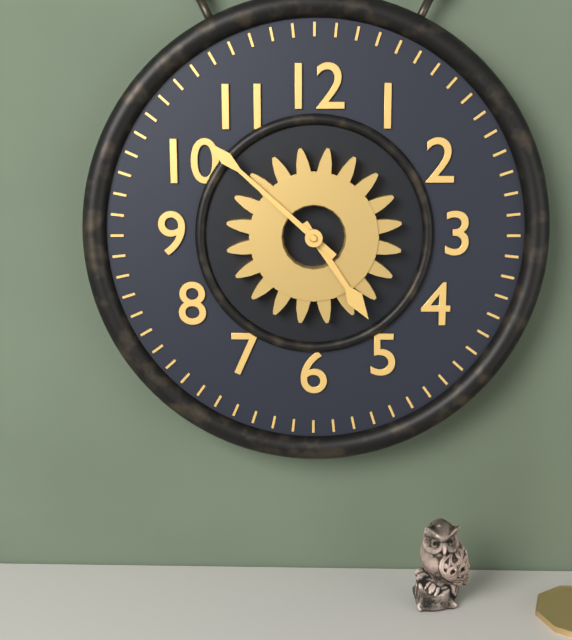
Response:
h=4 m=52
